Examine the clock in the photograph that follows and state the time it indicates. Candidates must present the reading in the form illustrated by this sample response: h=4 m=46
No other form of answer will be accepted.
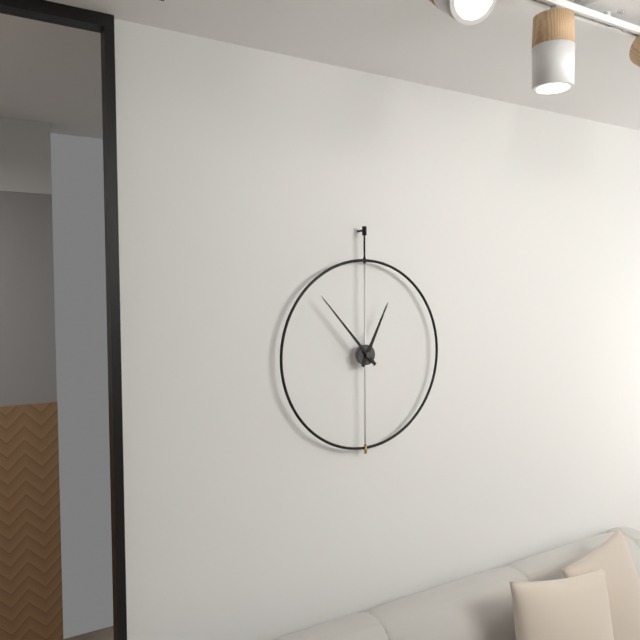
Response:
h=12 m=53
